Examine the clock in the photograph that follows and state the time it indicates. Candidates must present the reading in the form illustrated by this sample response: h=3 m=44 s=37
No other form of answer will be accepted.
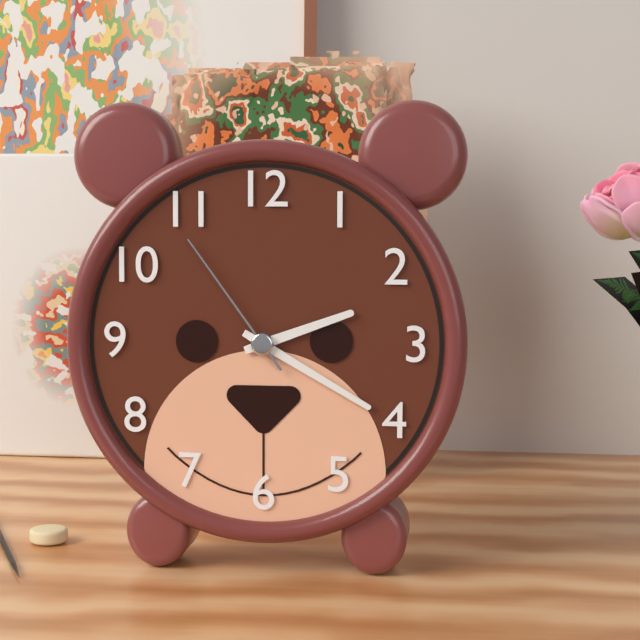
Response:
h=2 m=20 s=54
